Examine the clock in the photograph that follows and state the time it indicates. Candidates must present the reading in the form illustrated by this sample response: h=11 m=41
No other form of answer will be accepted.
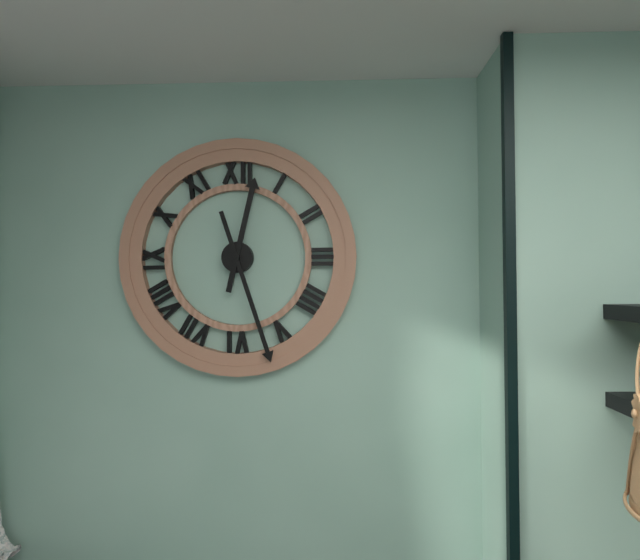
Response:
h=12 m=27
